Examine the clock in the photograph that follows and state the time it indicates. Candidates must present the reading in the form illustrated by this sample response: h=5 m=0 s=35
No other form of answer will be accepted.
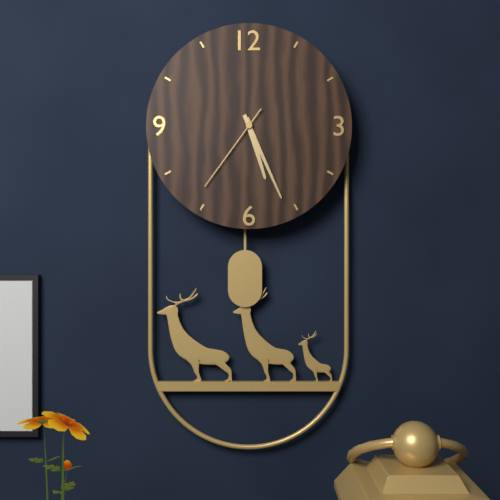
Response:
h=5 m=26 s=36
